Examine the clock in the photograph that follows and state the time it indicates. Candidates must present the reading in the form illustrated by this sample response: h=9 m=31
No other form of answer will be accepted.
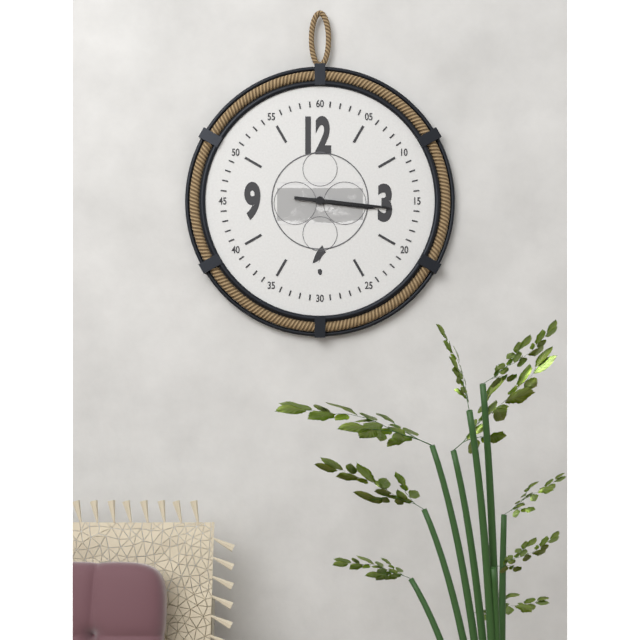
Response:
h=3 m=16
